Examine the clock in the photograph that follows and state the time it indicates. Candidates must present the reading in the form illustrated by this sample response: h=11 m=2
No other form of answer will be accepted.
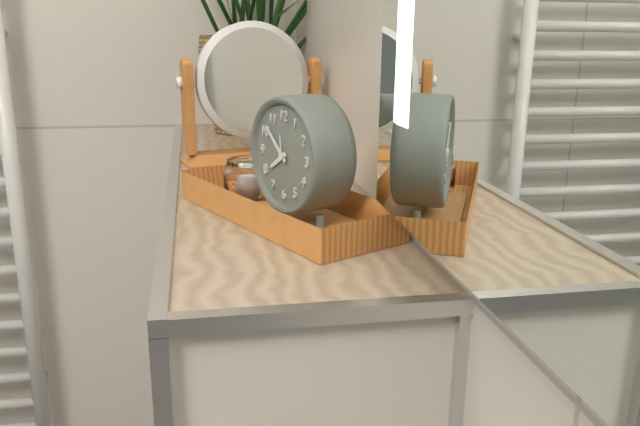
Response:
h=7 m=52
